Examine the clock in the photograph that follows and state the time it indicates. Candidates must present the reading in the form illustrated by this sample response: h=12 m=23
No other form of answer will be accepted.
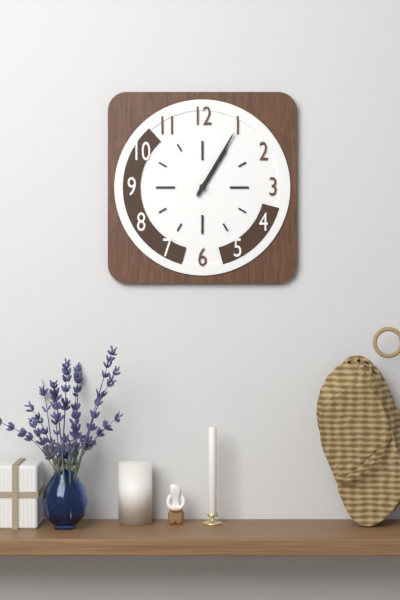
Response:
h=1 m=5
